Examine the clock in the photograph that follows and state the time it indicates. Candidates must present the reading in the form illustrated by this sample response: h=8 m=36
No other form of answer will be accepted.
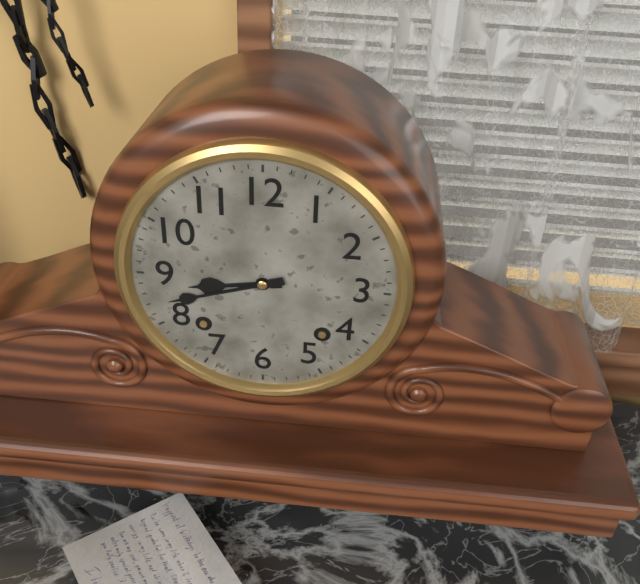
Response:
h=8 m=42
